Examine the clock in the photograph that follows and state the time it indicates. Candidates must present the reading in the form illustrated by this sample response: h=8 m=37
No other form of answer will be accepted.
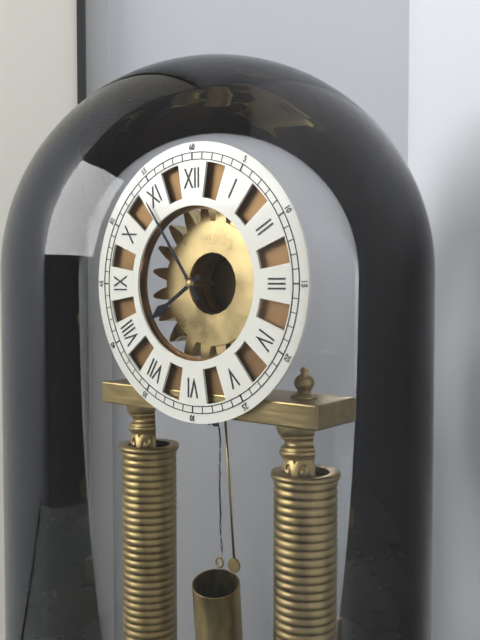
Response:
h=7 m=54
